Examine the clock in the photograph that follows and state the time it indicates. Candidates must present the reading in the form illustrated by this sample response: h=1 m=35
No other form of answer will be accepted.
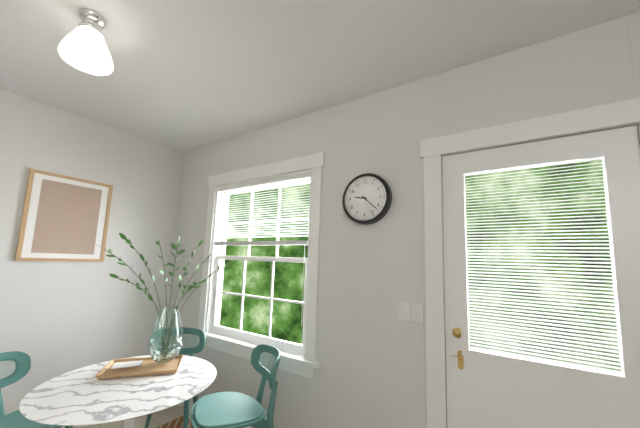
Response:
h=9 m=22
